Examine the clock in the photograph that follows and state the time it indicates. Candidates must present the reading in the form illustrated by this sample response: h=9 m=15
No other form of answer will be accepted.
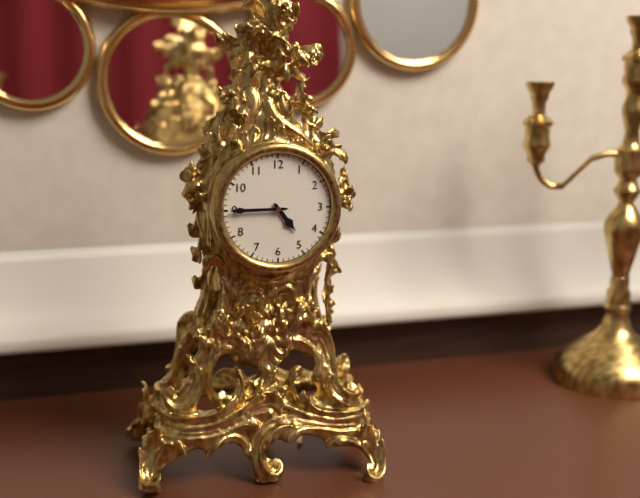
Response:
h=4 m=45
